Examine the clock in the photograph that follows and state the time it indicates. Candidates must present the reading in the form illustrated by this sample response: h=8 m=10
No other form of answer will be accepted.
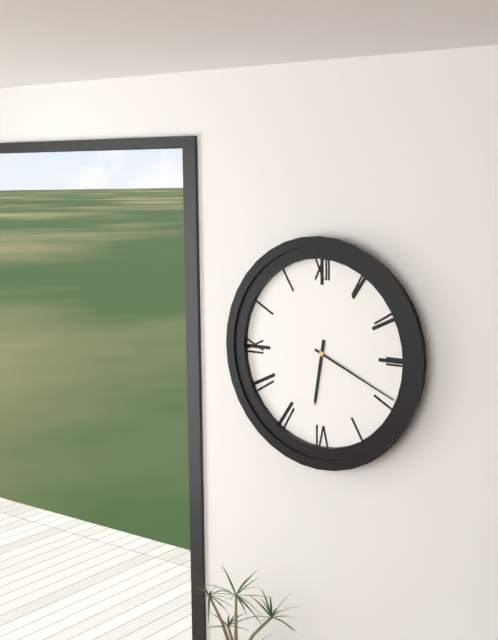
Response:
h=6 m=19
